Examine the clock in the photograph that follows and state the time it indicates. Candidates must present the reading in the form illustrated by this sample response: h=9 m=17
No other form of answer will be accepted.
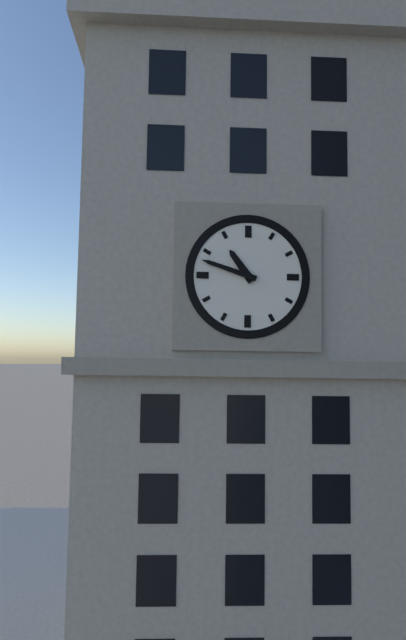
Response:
h=10 m=48
